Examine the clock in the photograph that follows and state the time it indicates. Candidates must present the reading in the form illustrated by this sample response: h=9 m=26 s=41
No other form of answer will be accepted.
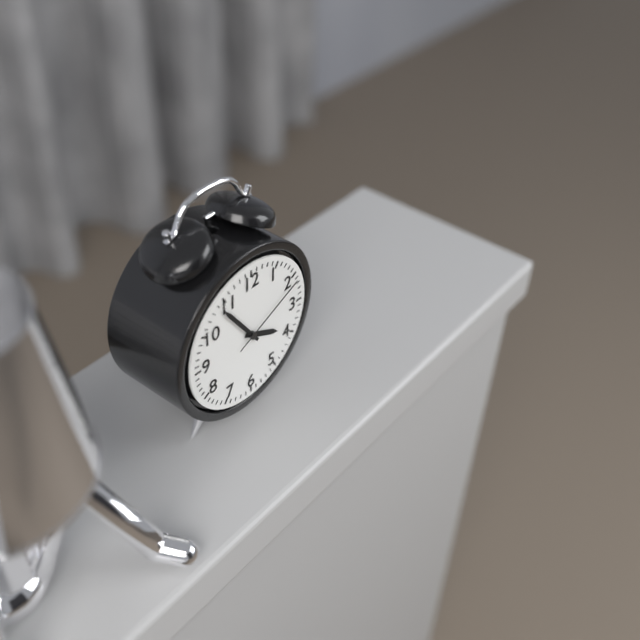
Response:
h=3 m=54 s=11
